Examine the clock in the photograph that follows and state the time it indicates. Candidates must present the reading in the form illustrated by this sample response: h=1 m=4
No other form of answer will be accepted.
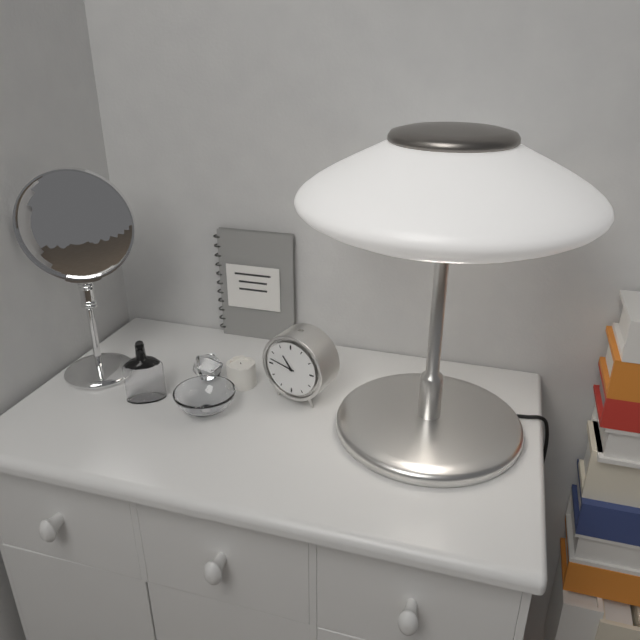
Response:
h=10 m=47
